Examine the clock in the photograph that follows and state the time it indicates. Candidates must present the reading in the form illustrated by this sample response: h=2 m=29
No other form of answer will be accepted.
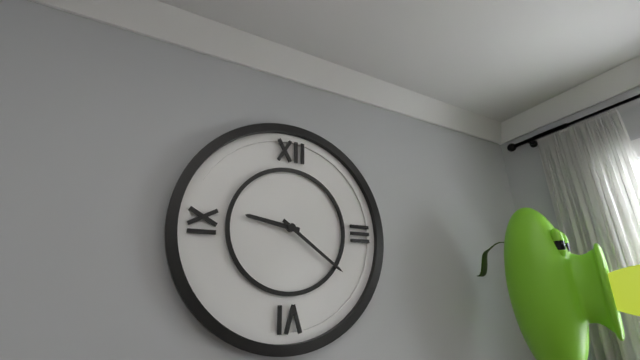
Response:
h=9 m=21
